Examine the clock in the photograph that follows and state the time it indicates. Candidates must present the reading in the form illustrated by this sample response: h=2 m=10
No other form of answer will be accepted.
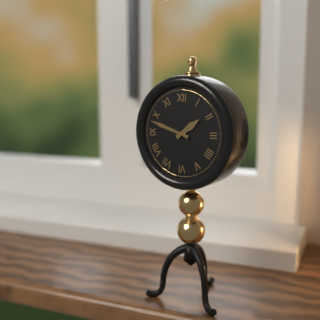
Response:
h=1 m=48
